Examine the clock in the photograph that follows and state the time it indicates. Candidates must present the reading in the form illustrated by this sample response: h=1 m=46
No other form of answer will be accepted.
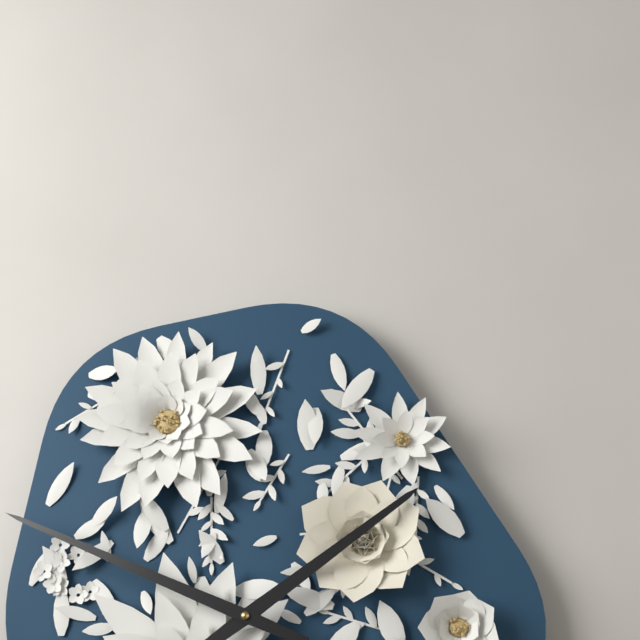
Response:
h=1 m=49
